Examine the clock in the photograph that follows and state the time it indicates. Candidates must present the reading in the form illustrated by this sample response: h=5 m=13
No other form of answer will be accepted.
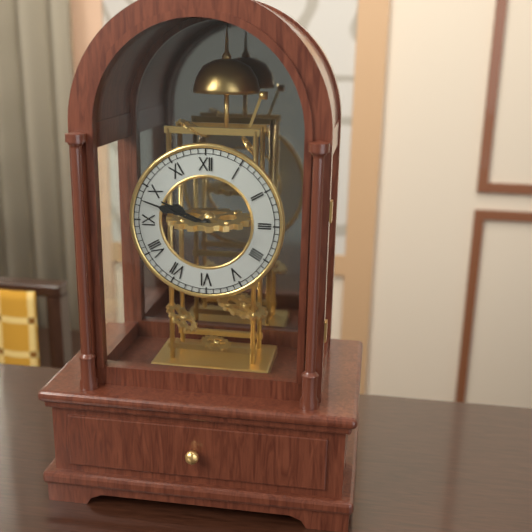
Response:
h=9 m=48
